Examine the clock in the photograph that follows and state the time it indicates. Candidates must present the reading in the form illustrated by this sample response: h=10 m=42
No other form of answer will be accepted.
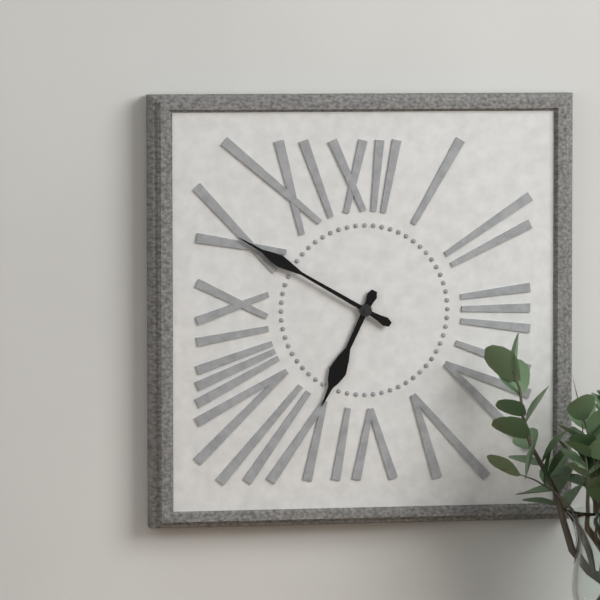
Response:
h=6 m=50
